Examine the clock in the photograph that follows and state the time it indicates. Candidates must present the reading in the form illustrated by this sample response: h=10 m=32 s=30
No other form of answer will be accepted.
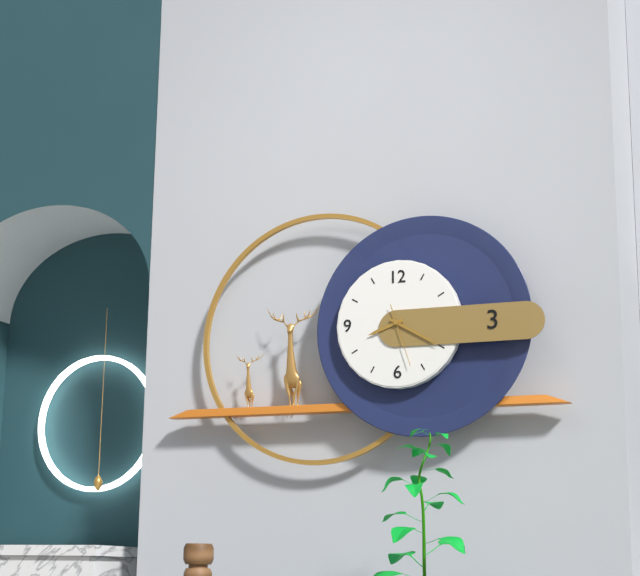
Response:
h=8 m=20 s=27
